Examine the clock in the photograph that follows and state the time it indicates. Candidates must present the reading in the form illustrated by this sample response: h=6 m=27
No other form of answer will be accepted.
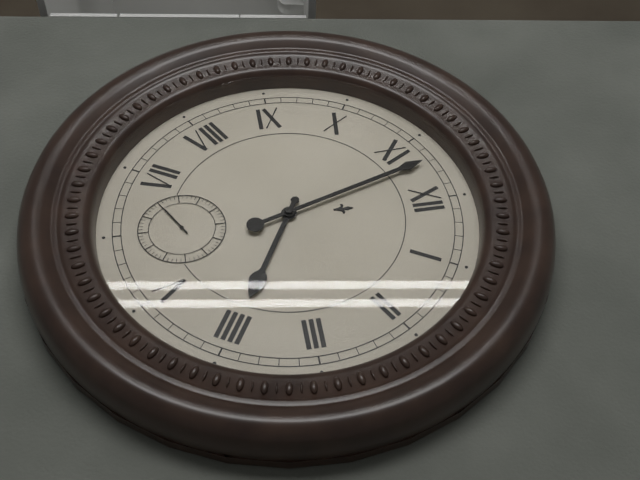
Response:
h=3 m=57
